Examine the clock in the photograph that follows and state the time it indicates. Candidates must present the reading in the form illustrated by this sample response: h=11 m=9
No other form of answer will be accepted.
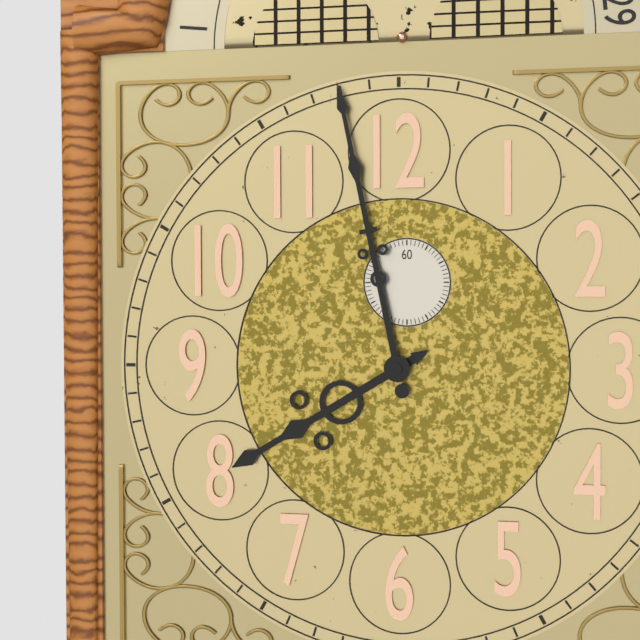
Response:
h=7 m=58
